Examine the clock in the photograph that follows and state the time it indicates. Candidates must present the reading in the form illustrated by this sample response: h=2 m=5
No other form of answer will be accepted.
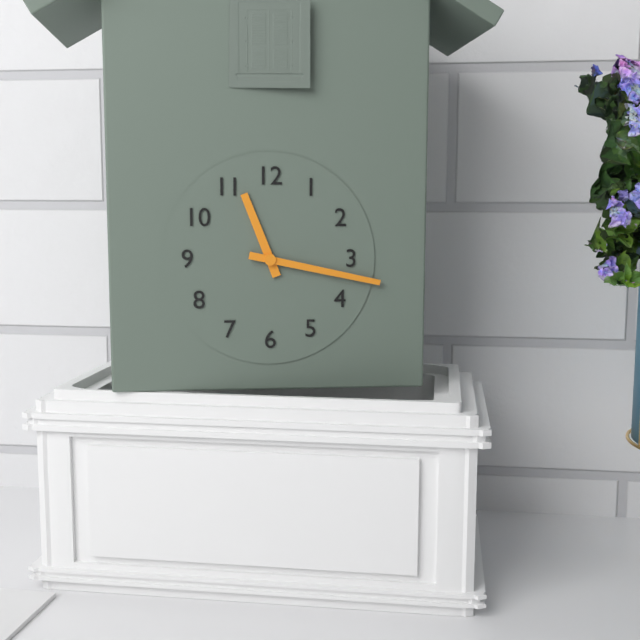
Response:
h=11 m=17
